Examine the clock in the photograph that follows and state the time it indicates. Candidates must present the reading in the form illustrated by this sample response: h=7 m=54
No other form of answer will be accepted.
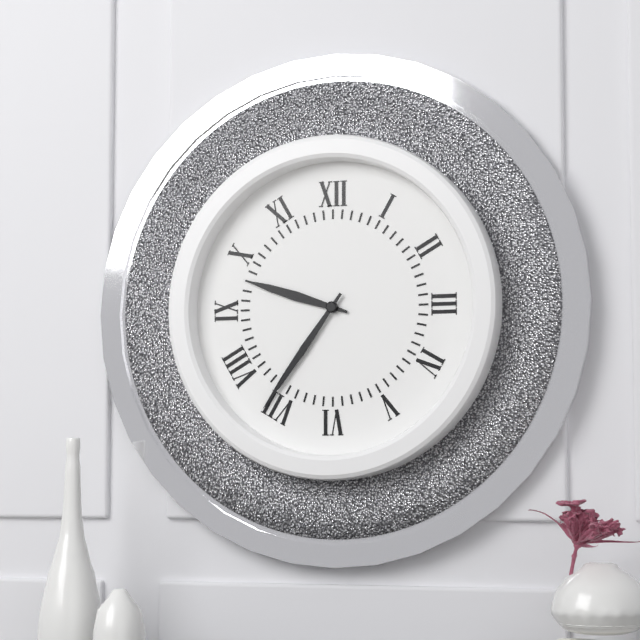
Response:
h=9 m=36
